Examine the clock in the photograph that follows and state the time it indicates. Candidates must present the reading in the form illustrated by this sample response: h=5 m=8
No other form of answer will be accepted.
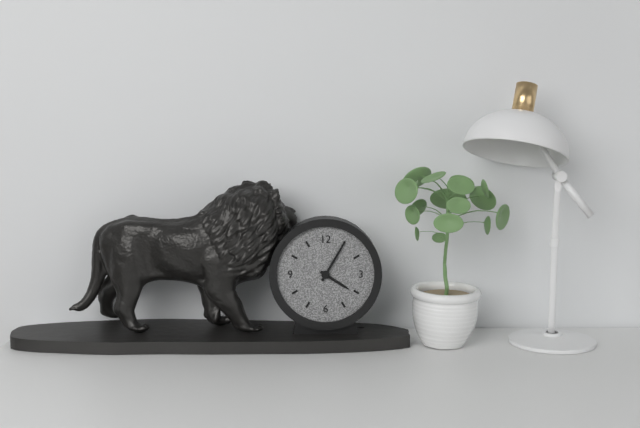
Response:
h=4 m=5
